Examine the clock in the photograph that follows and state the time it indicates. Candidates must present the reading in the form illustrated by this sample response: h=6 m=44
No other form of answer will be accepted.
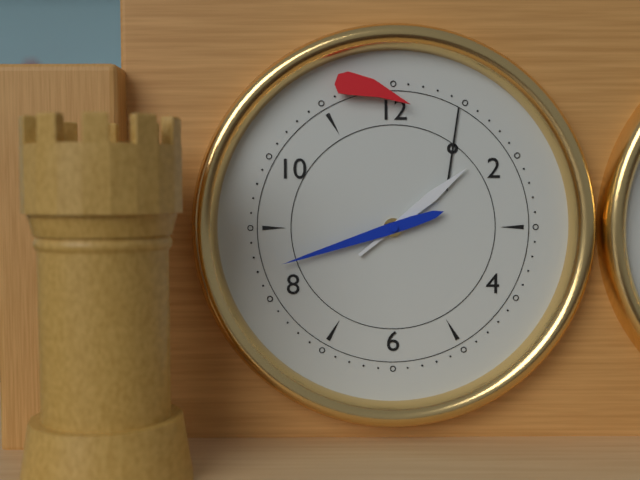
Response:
h=1 m=42
